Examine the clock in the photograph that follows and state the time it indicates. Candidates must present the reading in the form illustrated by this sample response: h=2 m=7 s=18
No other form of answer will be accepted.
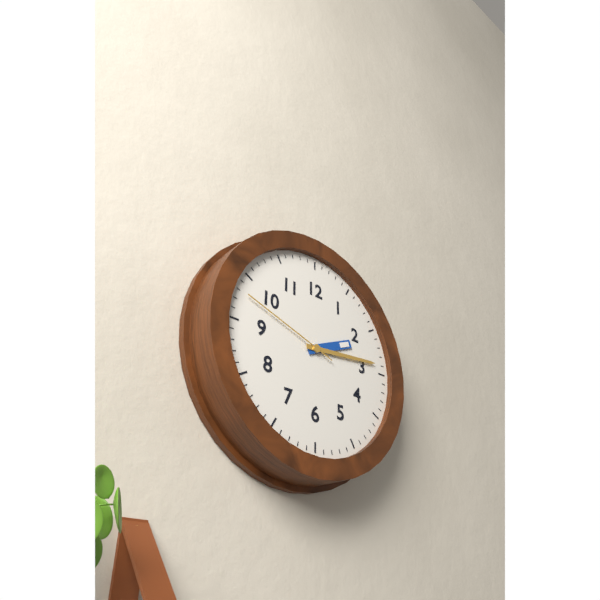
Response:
h=2 m=14 s=48
